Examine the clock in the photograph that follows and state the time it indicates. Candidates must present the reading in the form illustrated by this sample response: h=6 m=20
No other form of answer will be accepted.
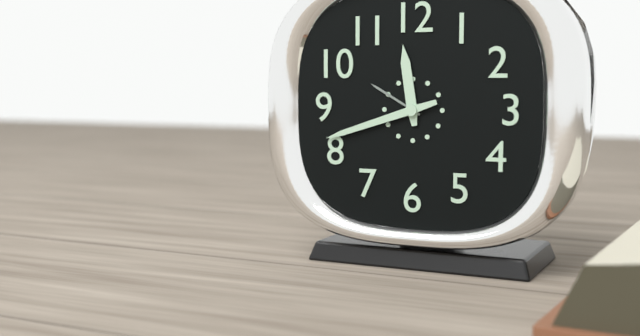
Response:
h=11 m=42
